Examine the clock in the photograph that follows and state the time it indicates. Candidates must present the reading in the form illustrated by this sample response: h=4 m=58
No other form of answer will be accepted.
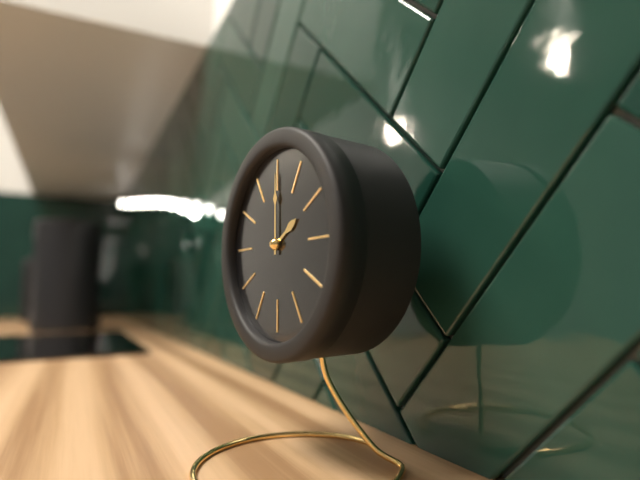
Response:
h=2 m=0
